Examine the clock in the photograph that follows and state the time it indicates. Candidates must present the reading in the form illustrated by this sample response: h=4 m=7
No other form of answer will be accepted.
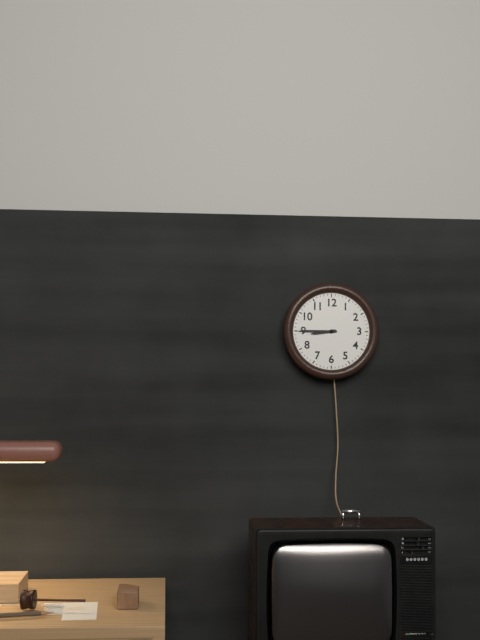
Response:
h=8 m=45
